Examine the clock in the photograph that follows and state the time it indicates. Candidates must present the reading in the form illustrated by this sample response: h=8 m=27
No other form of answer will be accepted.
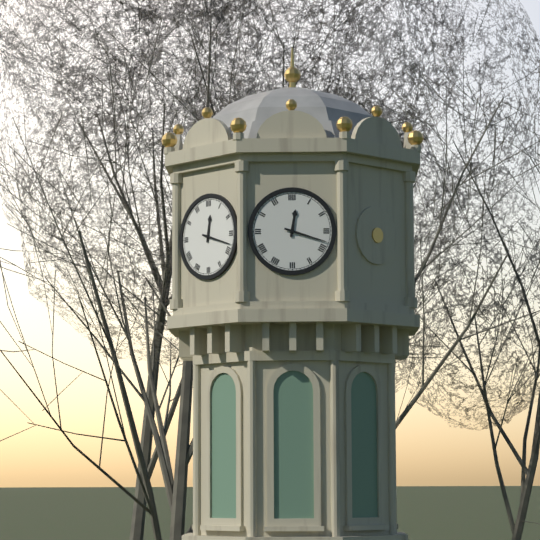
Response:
h=12 m=18
